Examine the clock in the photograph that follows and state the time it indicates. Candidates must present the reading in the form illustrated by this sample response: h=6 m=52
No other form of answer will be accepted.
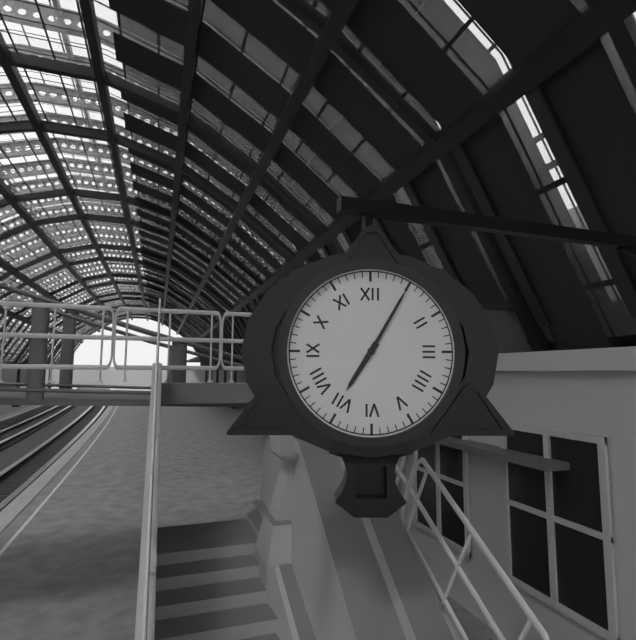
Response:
h=7 m=5
